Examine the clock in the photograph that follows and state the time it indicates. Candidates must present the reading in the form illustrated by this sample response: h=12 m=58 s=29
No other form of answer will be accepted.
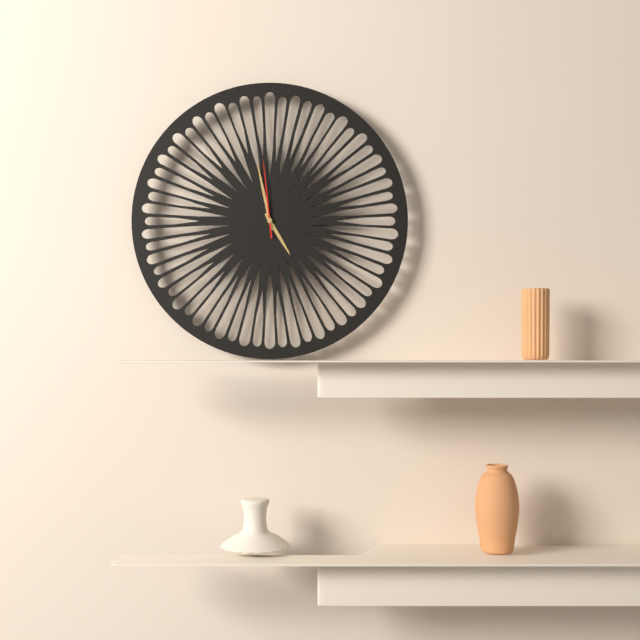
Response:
h=4 m=58 s=59
